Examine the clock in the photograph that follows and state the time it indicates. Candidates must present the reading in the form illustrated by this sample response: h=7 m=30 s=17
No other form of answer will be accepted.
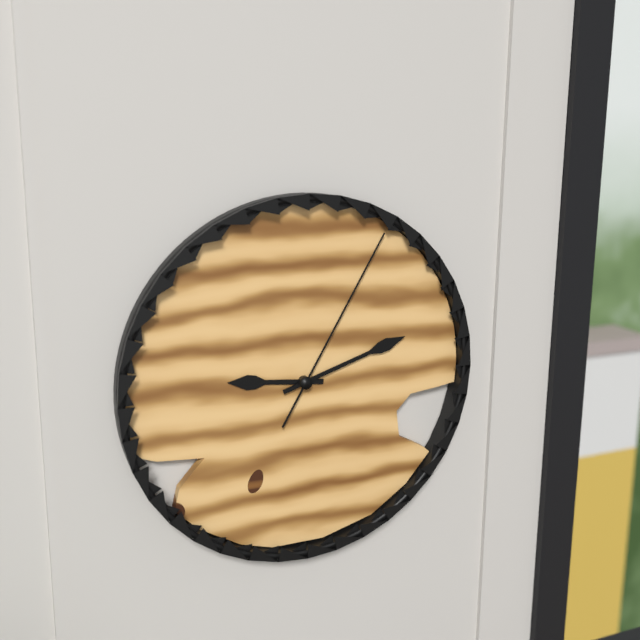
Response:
h=9 m=12 s=5
